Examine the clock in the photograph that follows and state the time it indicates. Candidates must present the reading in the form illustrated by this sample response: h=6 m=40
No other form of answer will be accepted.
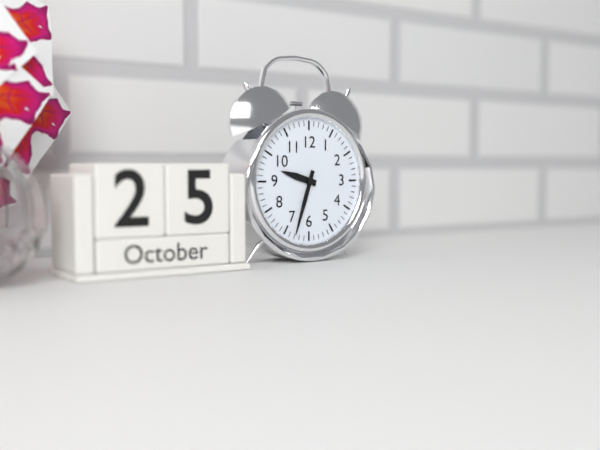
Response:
h=9 m=33
